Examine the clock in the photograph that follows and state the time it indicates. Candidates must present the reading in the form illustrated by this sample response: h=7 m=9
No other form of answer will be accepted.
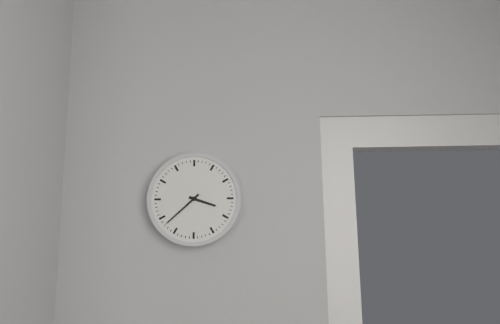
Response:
h=3 m=38
